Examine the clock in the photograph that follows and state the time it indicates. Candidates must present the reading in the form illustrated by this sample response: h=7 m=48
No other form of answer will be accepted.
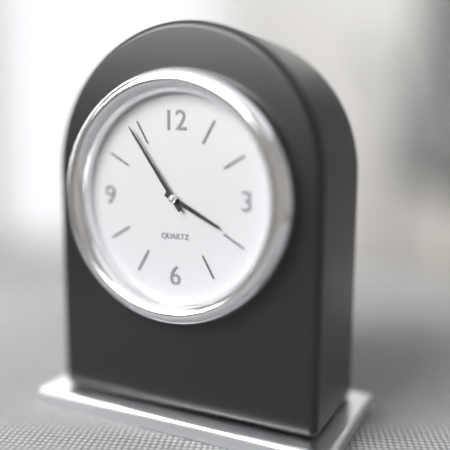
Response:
h=3 m=54
